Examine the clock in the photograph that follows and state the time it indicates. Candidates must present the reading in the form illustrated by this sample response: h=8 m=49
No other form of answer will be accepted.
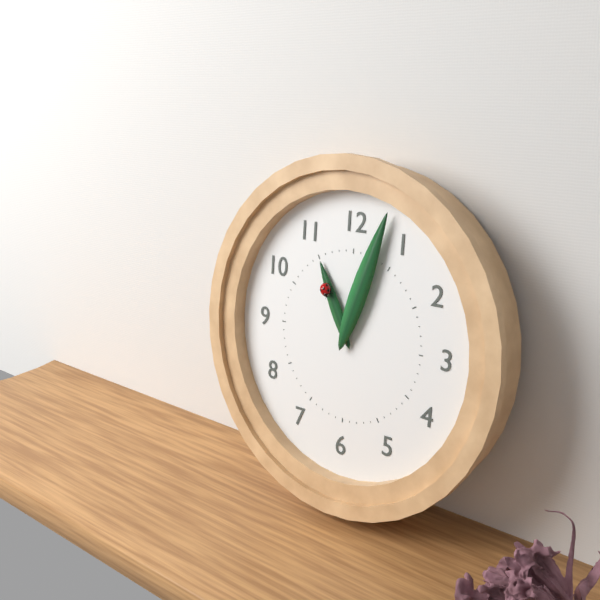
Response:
h=11 m=3
